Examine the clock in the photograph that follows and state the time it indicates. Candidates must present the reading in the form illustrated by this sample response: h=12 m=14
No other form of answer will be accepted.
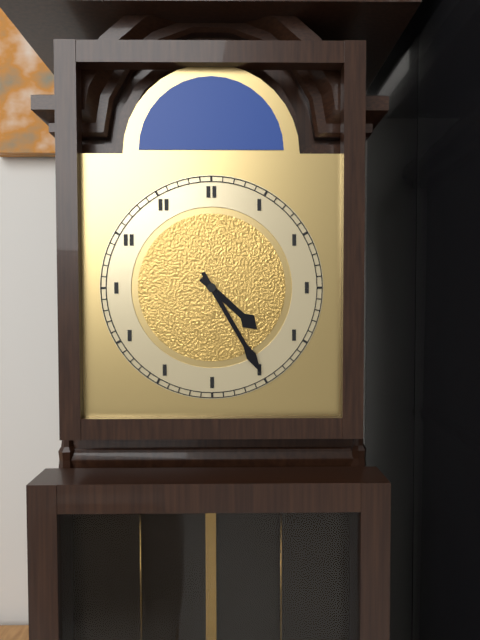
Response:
h=4 m=25
